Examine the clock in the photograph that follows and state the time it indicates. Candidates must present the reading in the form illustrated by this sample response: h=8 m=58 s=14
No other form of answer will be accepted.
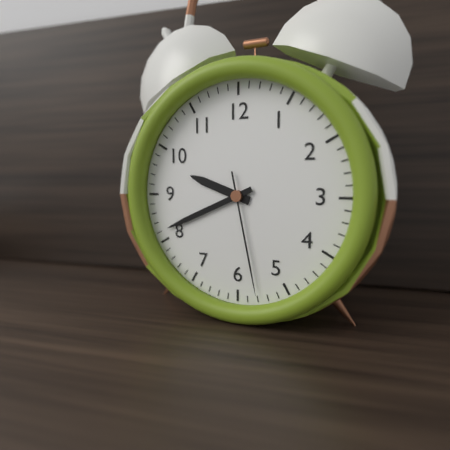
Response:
h=9 m=41 s=28
